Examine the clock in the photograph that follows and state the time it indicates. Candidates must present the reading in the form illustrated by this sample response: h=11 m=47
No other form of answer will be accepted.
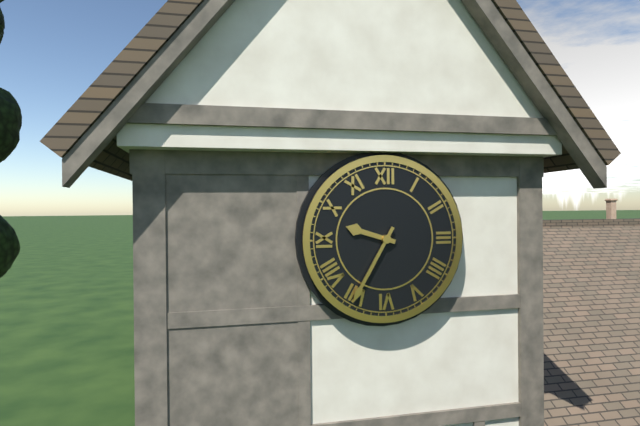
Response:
h=9 m=35
